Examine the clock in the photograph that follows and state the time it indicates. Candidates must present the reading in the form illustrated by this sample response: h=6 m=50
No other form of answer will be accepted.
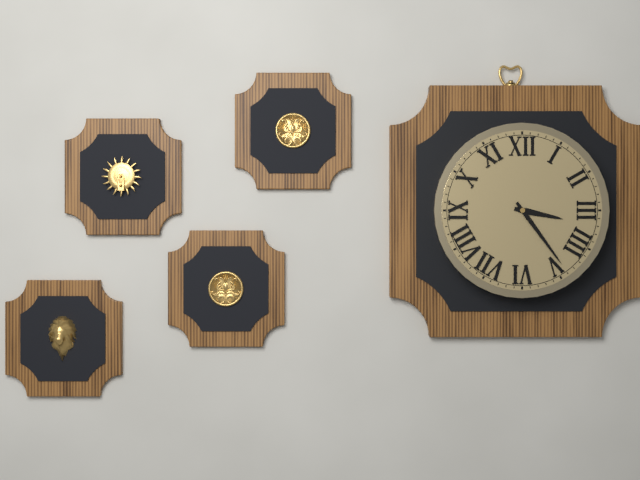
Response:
h=3 m=24
